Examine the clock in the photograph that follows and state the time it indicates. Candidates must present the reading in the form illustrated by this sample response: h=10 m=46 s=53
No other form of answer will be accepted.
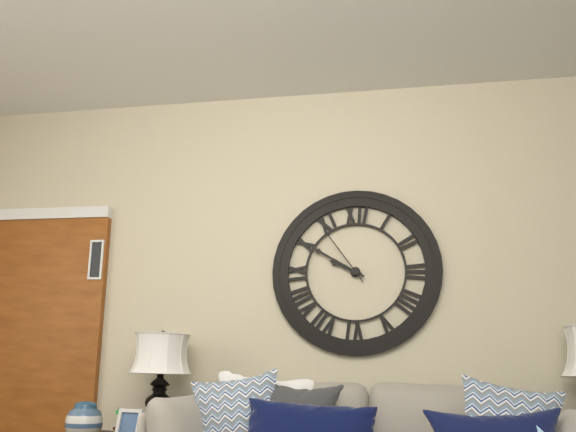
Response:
h=9 m=50 s=54
